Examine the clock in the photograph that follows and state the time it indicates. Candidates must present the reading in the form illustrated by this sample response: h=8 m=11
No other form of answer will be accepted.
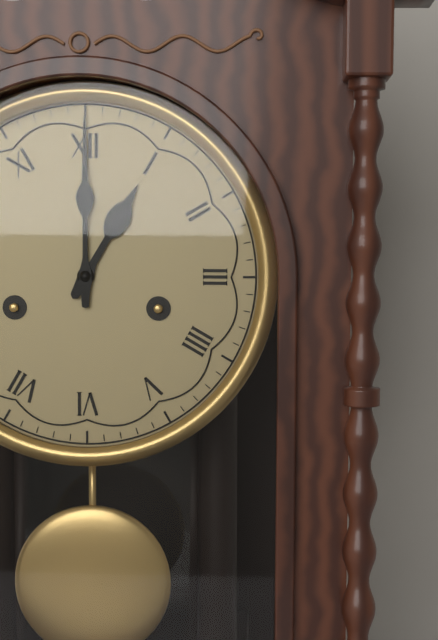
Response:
h=1 m=0
